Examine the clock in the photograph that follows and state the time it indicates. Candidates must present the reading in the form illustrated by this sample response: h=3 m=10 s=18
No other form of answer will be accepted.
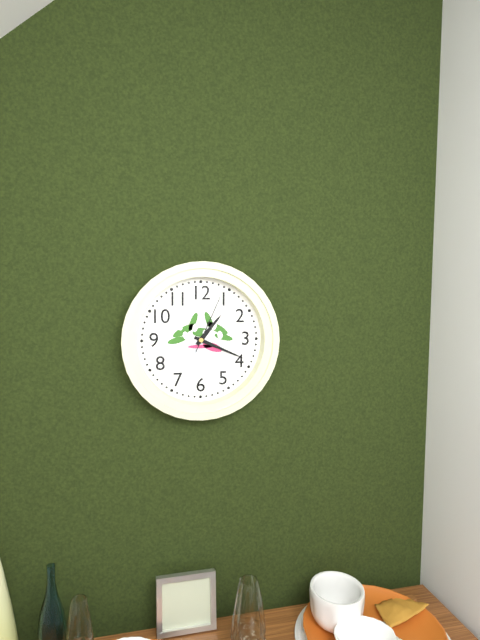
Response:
h=1 m=19 s=4
